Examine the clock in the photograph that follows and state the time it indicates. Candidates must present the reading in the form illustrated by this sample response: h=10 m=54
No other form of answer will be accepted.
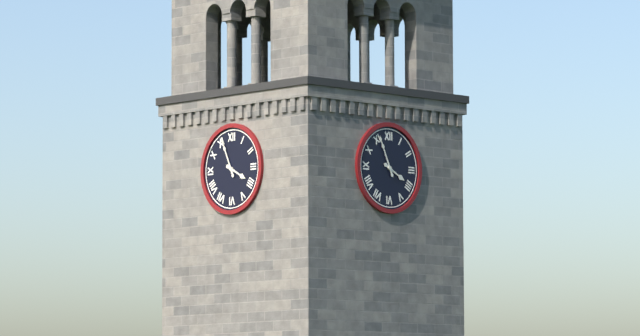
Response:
h=3 m=56
